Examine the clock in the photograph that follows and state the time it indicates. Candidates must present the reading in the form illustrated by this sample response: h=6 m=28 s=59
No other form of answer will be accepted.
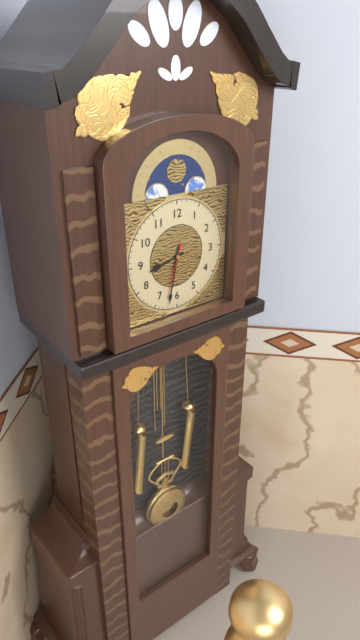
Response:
h=8 m=32 s=33
